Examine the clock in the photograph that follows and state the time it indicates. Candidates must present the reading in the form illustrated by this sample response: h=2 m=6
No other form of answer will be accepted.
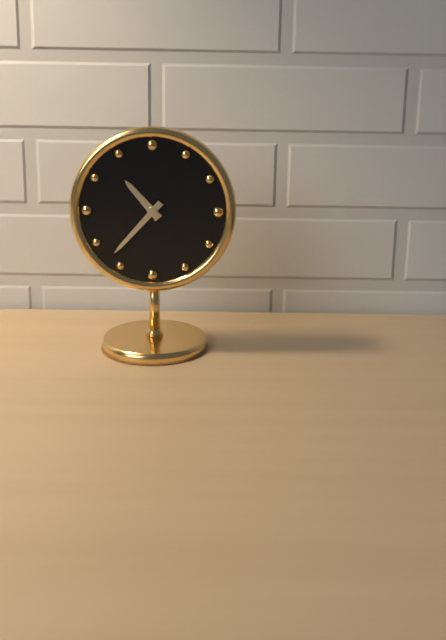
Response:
h=10 m=37
